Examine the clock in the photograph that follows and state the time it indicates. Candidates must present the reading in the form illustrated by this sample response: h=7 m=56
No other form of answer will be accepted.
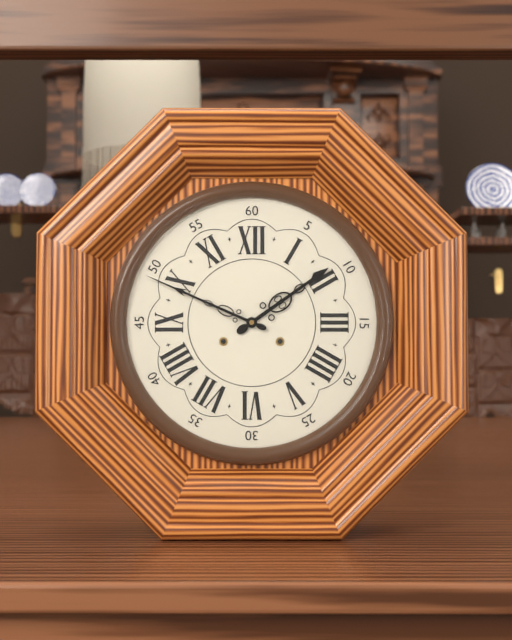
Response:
h=1 m=49
